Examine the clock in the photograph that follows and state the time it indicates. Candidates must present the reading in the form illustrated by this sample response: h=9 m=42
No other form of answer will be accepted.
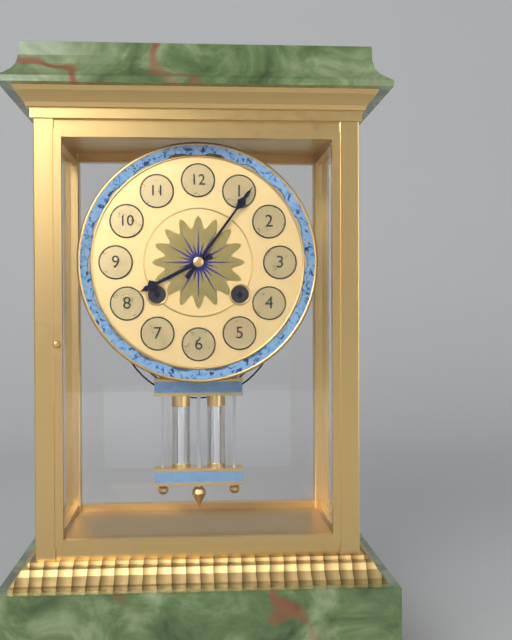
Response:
h=8 m=6
